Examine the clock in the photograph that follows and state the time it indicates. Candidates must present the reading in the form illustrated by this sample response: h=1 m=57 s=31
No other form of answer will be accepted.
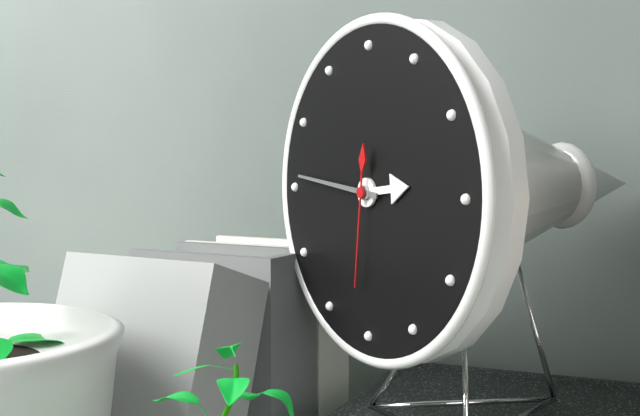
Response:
h=2 m=46 s=31
